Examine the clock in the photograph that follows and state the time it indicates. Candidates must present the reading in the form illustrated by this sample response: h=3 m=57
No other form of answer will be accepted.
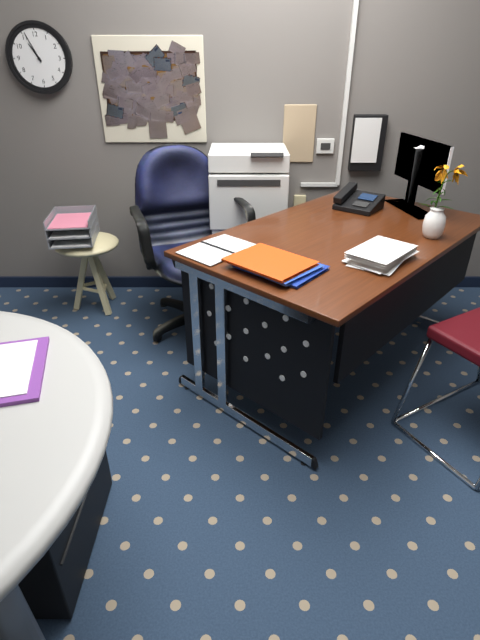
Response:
h=10 m=56
